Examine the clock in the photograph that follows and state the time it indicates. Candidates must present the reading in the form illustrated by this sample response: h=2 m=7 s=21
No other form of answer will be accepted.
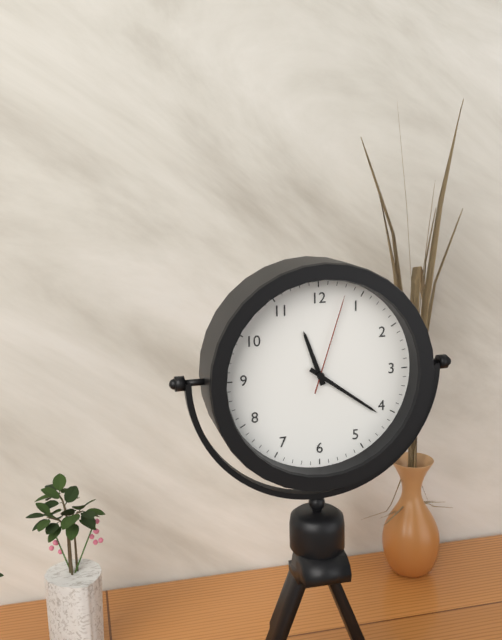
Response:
h=11 m=21 s=3
